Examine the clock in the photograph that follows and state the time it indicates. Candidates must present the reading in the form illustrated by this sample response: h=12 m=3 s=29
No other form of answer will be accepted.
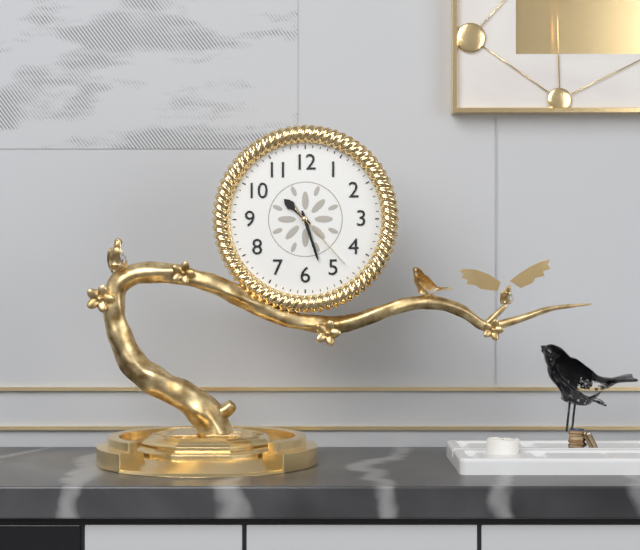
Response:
h=10 m=27 s=23
